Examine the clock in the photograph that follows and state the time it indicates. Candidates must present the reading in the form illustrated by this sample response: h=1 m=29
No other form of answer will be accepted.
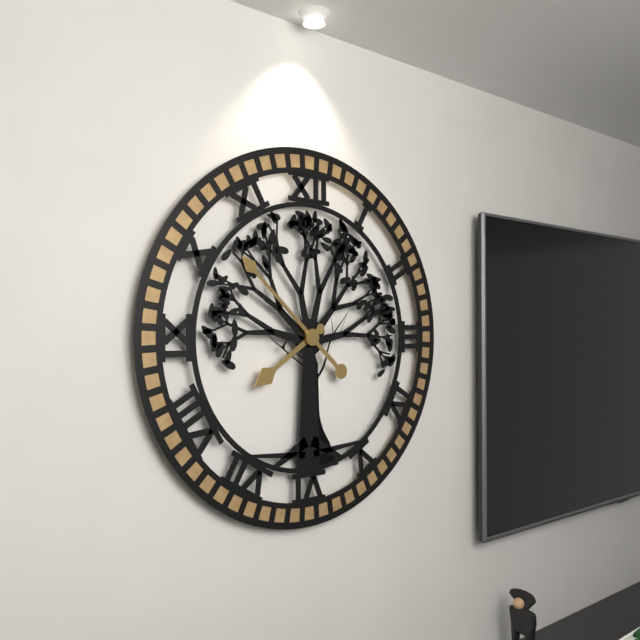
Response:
h=7 m=52
